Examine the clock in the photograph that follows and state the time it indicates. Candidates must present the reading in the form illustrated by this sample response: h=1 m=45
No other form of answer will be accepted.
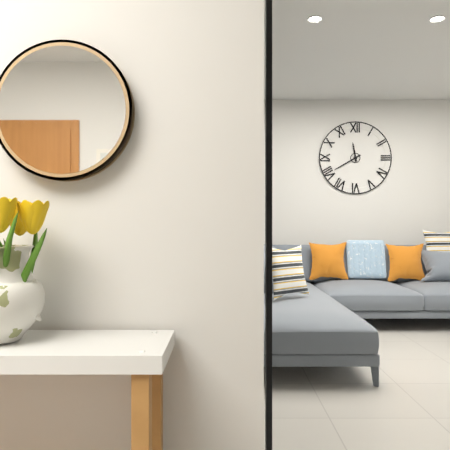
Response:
h=11 m=40
